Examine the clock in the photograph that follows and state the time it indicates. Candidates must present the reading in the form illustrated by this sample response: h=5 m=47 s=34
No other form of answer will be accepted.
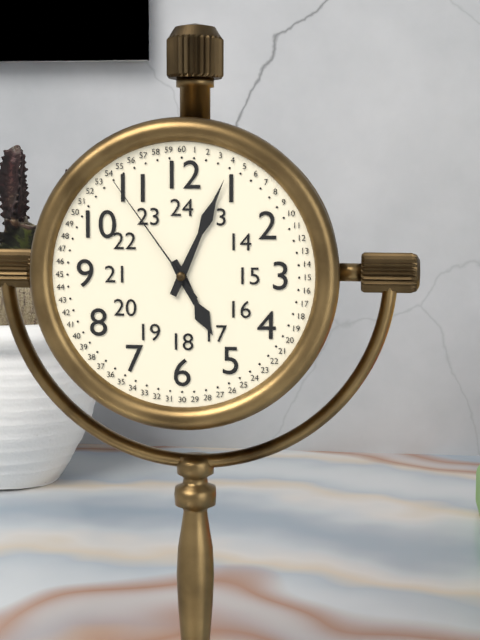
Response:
h=5 m=4 s=54
